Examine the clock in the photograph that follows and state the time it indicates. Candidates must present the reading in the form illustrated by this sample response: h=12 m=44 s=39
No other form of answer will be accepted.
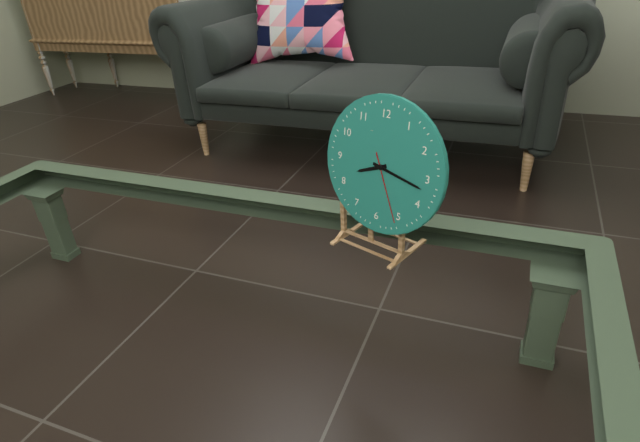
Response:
h=8 m=17 s=26
